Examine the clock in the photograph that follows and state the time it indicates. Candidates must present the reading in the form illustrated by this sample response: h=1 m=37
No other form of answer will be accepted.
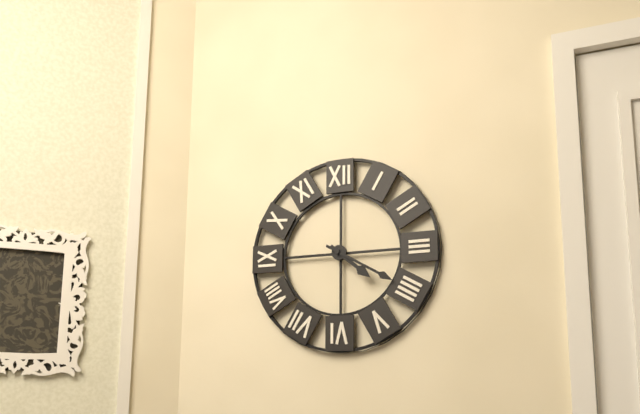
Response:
h=4 m=20
